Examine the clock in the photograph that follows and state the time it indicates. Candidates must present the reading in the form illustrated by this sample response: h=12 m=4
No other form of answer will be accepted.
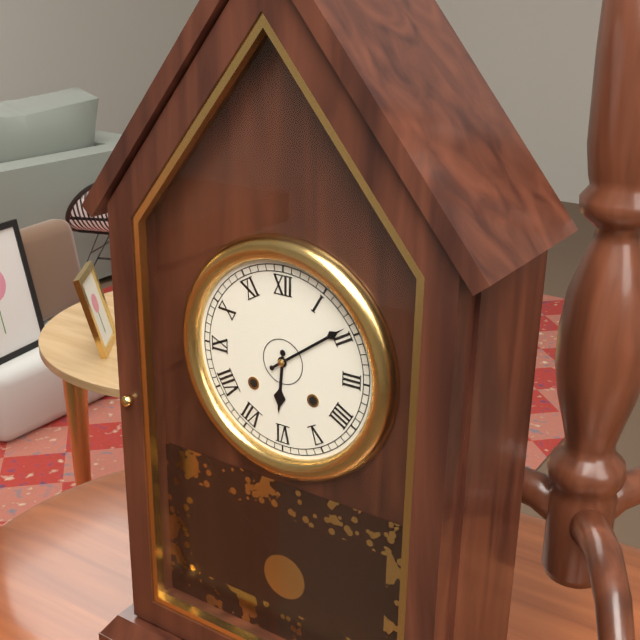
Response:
h=6 m=9
